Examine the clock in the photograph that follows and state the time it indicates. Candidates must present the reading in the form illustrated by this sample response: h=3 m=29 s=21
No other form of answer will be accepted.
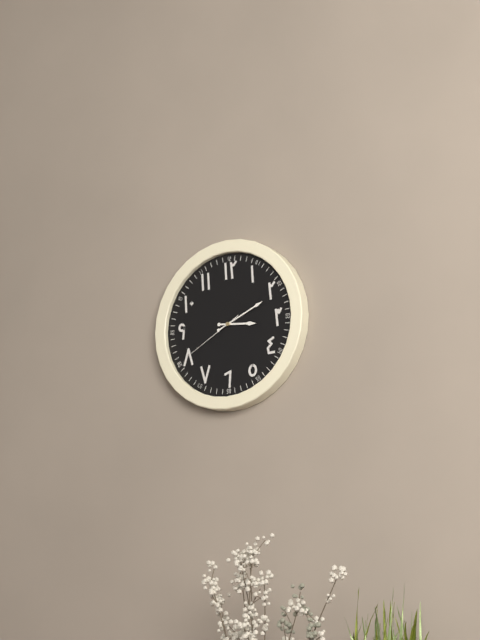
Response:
h=3 m=11 s=40
